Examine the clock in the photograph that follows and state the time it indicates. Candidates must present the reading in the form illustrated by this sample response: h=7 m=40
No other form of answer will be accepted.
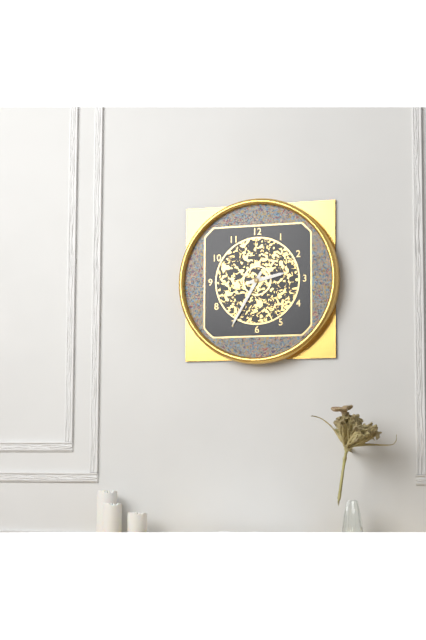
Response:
h=2 m=35
